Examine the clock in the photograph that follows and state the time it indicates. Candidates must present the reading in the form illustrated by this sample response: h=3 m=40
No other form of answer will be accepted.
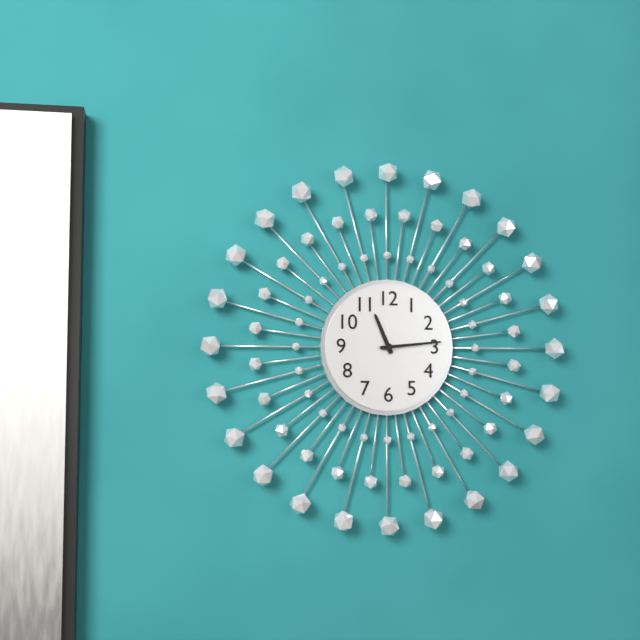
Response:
h=11 m=14
